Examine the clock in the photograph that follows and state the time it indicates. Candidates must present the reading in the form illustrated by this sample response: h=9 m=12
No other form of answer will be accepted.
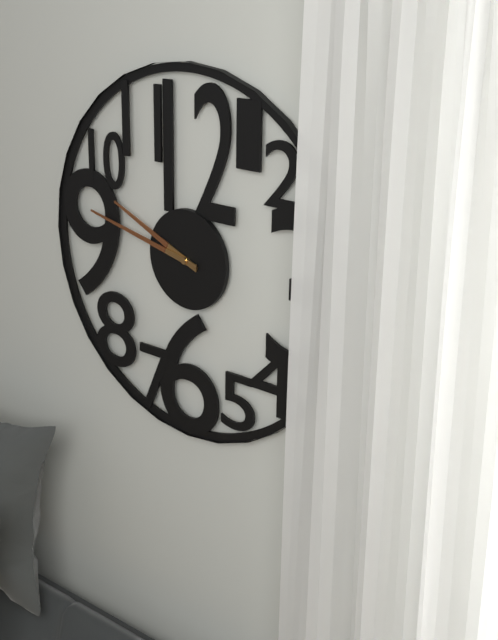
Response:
h=9 m=47
